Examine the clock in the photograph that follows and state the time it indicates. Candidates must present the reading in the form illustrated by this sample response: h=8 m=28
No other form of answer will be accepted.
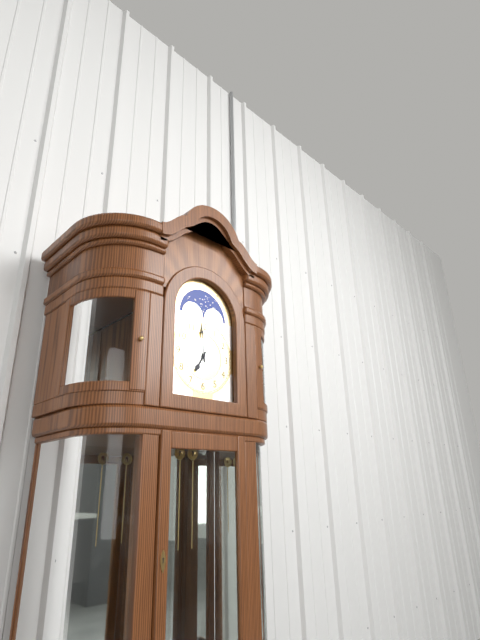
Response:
h=6 m=59
